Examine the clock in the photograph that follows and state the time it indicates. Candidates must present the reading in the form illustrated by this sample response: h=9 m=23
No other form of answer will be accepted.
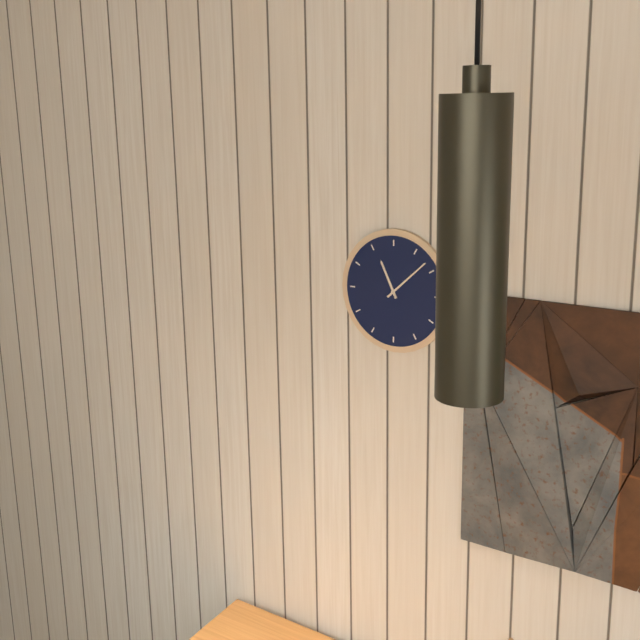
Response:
h=11 m=8
